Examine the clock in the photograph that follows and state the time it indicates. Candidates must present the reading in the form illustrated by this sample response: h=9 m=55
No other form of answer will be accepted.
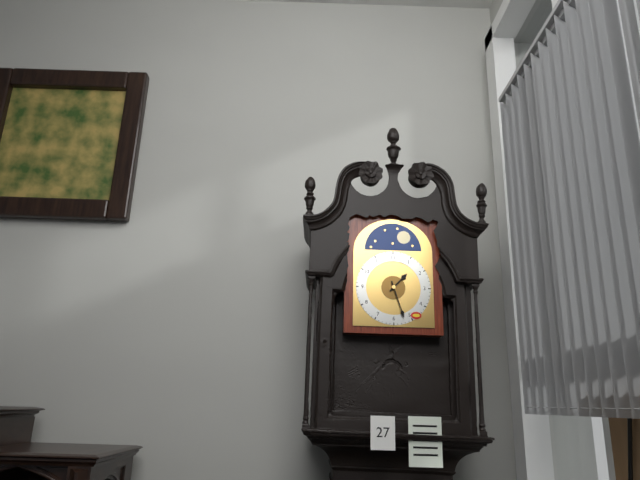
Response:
h=1 m=27
